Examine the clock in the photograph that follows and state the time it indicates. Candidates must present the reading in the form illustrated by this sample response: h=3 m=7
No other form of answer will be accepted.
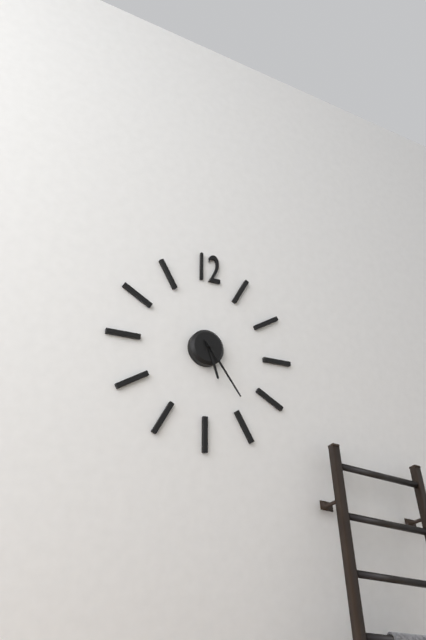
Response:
h=5 m=24
